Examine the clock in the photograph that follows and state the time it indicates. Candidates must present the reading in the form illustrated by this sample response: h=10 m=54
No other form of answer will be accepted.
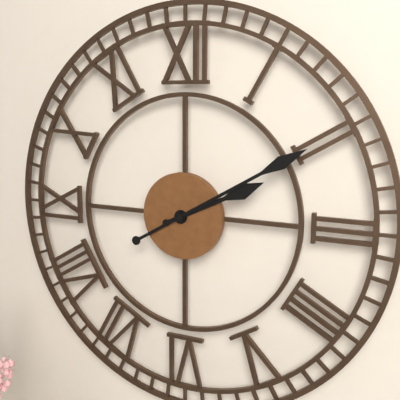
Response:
h=2 m=10
